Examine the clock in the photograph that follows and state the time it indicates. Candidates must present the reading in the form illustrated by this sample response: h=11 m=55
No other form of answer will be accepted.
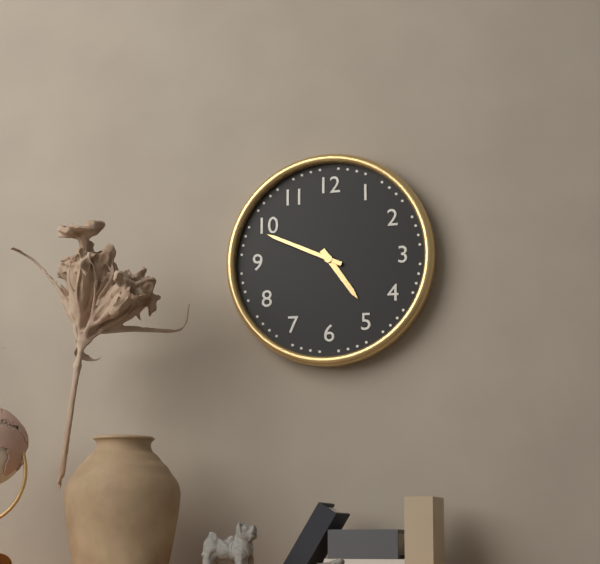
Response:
h=4 m=49
